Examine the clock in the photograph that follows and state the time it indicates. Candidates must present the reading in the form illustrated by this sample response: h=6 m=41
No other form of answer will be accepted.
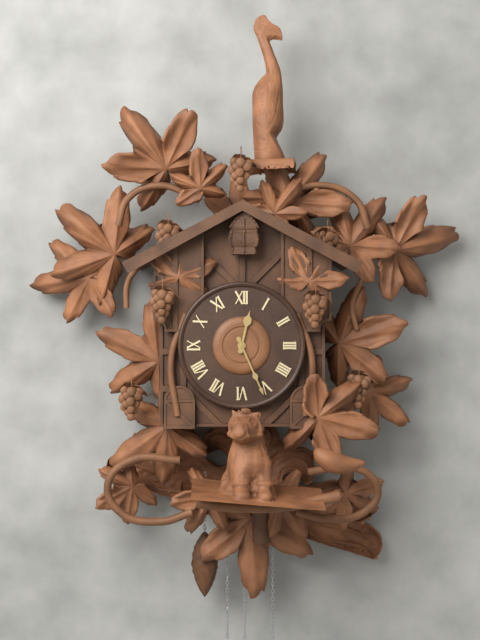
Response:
h=12 m=26
